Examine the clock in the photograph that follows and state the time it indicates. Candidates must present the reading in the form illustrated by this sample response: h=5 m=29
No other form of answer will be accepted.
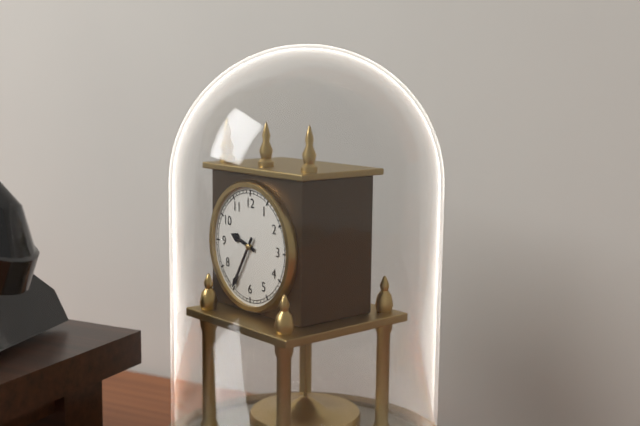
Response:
h=9 m=35
